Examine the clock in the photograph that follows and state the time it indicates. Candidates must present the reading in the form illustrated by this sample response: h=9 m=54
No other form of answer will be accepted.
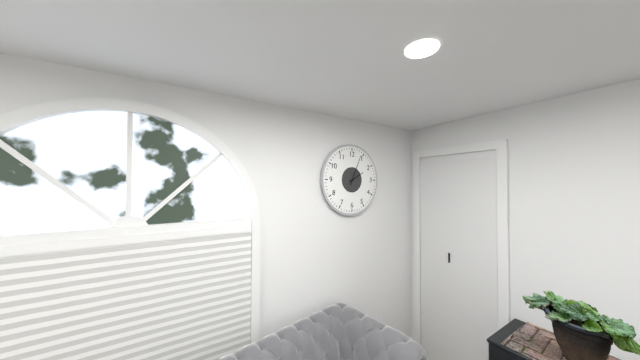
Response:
h=2 m=4
